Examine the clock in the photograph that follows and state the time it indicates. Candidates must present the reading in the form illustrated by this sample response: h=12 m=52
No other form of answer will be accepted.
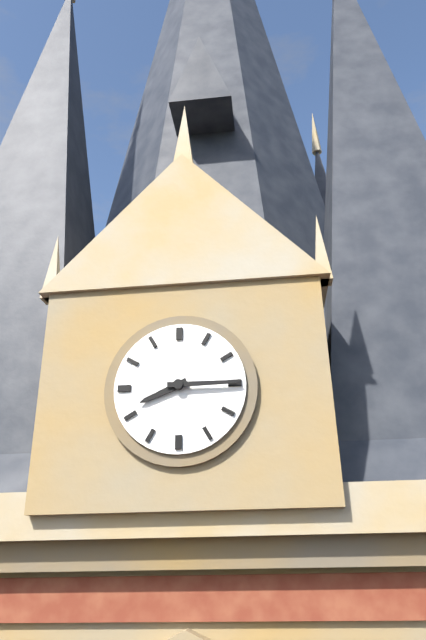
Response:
h=8 m=15
